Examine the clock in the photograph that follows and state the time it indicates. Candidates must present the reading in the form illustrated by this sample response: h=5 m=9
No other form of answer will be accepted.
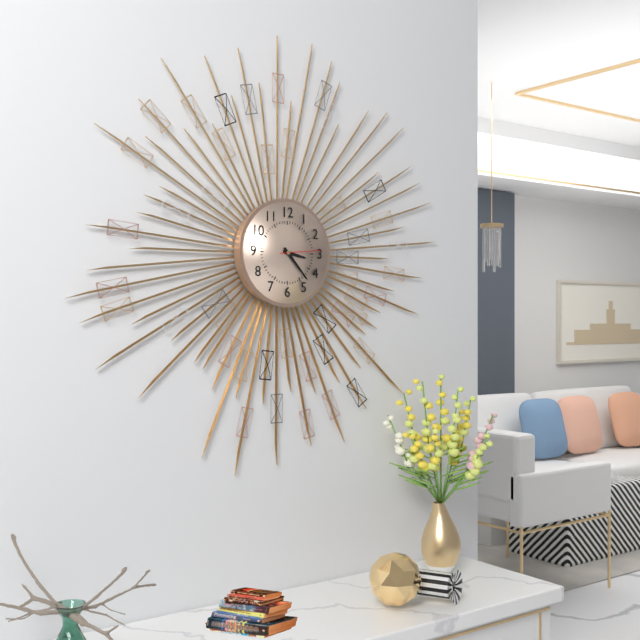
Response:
h=3 m=23
